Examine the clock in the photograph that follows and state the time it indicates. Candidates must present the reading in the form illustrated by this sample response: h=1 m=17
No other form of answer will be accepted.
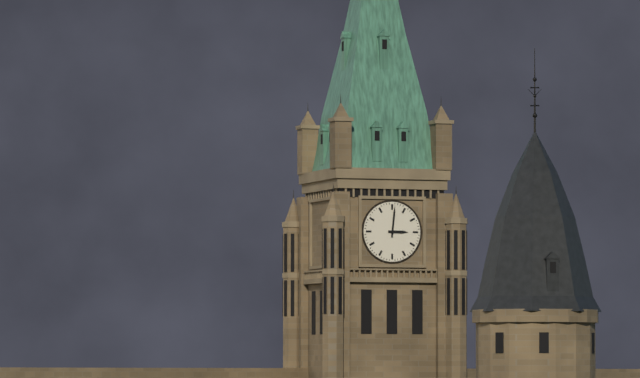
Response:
h=3 m=1
